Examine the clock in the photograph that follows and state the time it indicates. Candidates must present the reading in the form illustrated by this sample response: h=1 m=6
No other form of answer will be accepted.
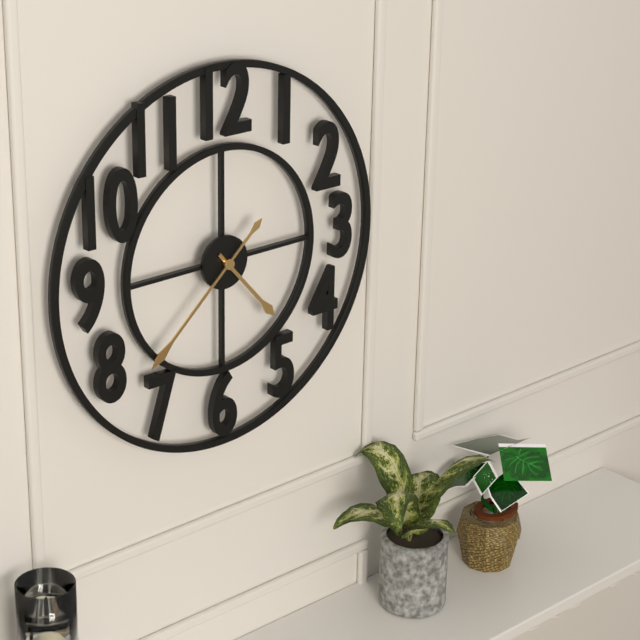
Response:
h=4 m=38
